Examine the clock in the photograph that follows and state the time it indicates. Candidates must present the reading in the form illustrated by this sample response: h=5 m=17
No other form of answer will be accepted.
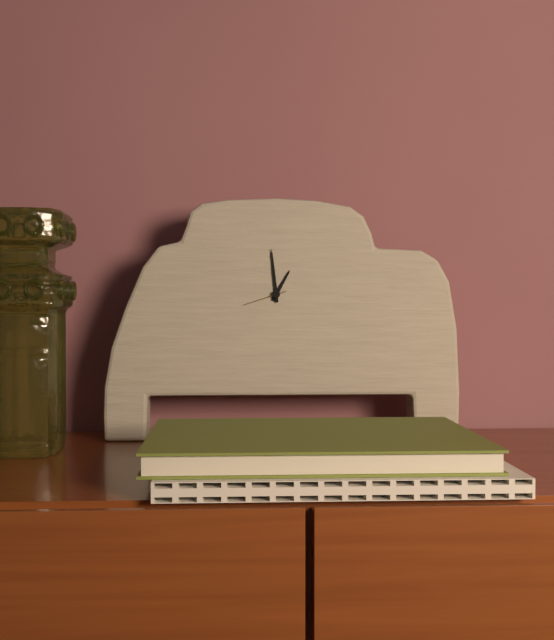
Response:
h=12 m=59
